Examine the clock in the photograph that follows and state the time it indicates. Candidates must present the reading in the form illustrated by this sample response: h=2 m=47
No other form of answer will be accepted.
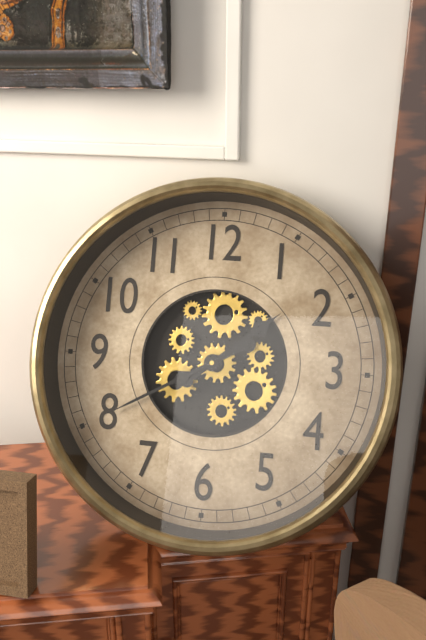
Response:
h=1 m=40
